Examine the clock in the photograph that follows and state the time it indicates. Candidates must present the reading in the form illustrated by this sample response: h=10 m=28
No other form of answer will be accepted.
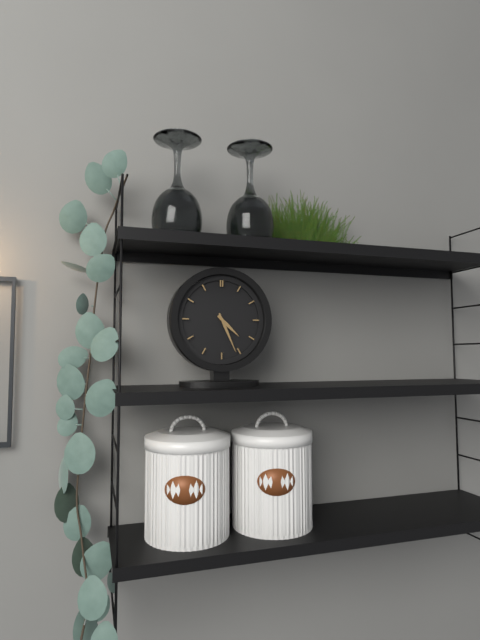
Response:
h=4 m=26
